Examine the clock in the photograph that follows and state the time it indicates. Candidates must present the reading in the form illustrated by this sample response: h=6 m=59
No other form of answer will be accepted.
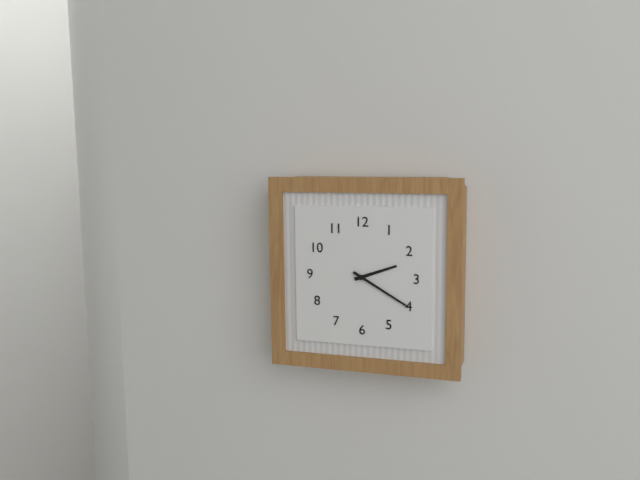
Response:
h=2 m=20
